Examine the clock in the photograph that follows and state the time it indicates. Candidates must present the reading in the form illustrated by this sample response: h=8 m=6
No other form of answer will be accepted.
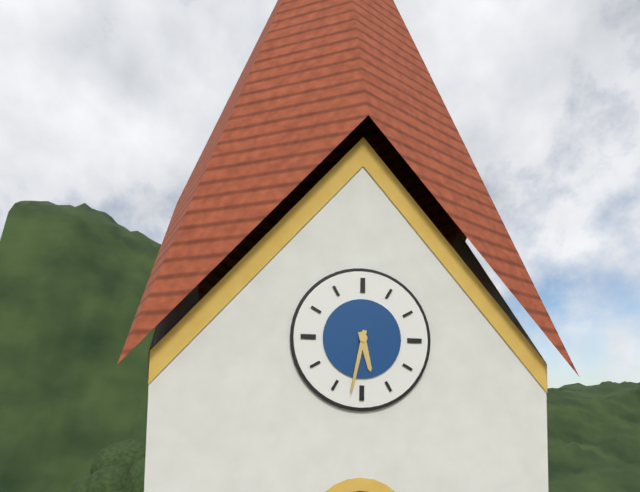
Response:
h=5 m=32
